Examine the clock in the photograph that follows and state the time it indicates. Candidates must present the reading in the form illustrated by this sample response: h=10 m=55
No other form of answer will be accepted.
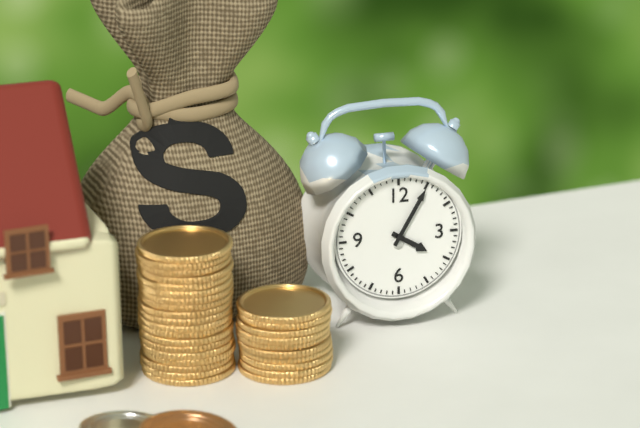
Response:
h=4 m=5
